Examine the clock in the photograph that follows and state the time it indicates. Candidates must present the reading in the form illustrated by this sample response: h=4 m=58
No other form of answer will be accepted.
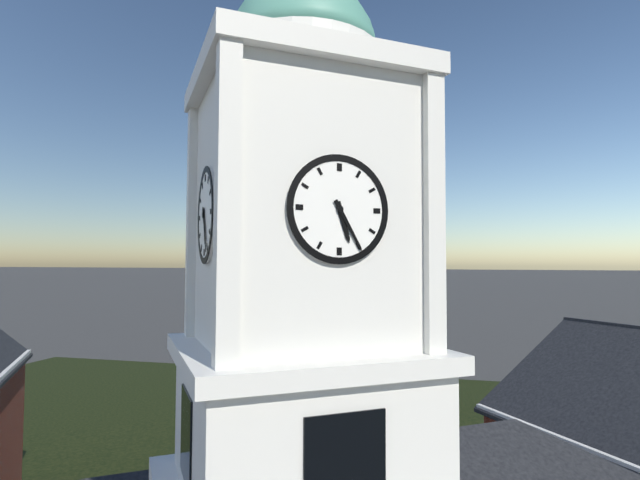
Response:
h=5 m=25
